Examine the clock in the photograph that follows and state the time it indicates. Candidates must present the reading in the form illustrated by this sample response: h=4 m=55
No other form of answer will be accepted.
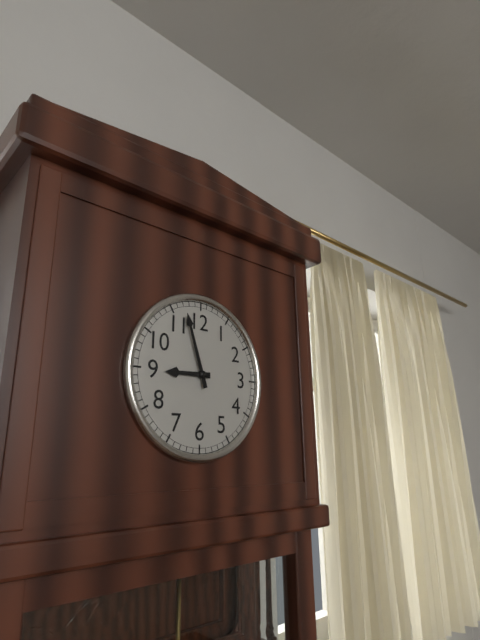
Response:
h=8 m=57
